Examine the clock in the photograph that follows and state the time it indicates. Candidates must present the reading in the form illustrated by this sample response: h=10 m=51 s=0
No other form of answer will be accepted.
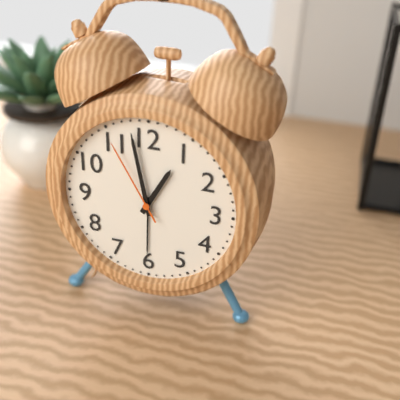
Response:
h=12 m=58 s=55
